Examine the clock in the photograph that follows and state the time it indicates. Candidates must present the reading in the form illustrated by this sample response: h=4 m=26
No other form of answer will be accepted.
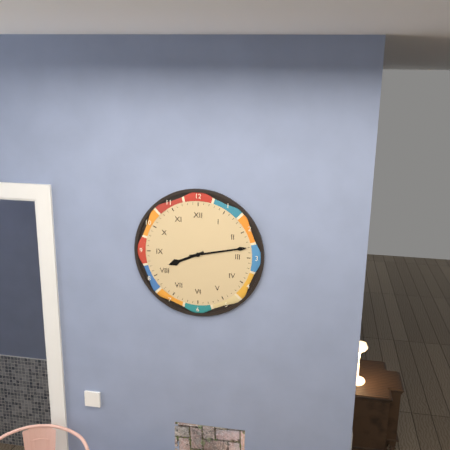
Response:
h=8 m=13
